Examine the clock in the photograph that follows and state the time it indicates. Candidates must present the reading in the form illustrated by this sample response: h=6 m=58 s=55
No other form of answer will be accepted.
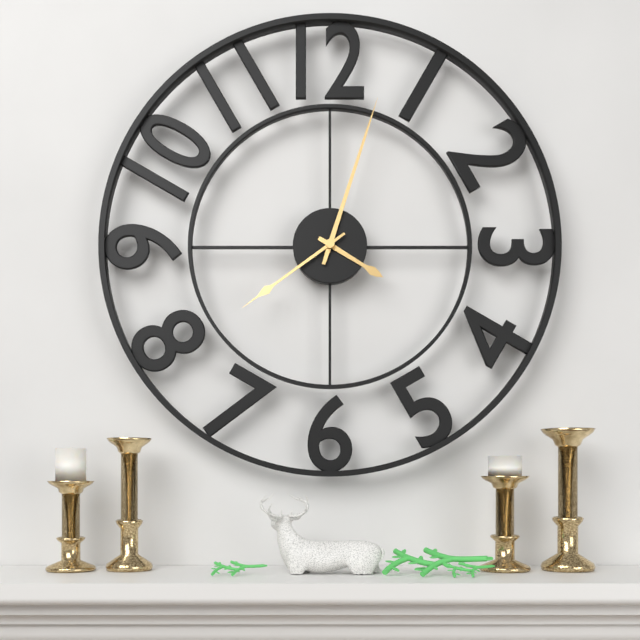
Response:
h=4 m=3 s=39
